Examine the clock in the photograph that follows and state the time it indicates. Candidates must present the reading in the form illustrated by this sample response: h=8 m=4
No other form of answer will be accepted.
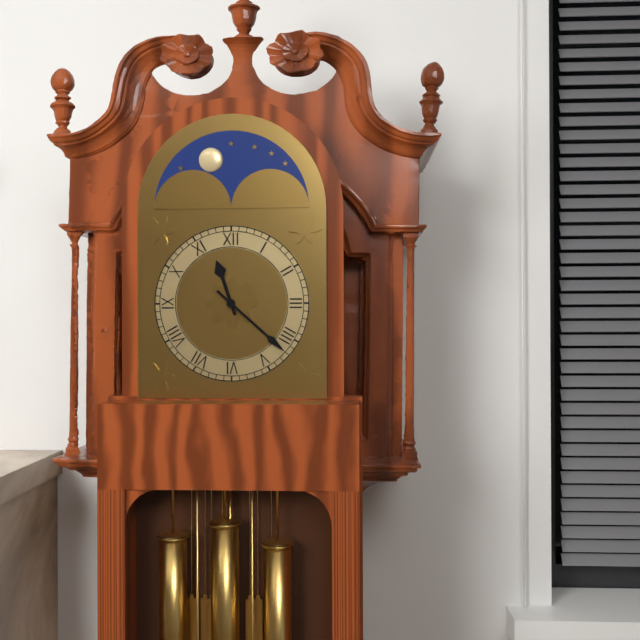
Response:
h=11 m=22
